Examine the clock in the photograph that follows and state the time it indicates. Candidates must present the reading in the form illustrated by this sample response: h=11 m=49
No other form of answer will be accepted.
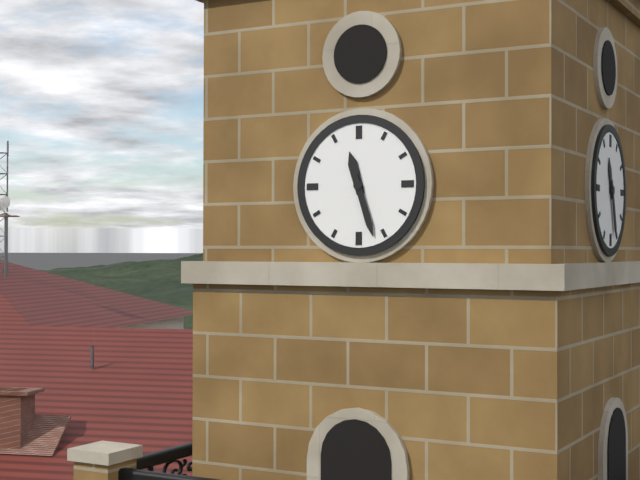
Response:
h=11 m=27
